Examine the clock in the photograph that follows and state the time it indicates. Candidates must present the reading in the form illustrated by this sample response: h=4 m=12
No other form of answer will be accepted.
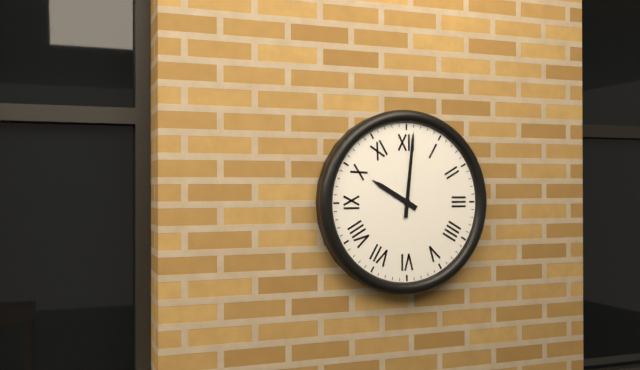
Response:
h=10 m=1
